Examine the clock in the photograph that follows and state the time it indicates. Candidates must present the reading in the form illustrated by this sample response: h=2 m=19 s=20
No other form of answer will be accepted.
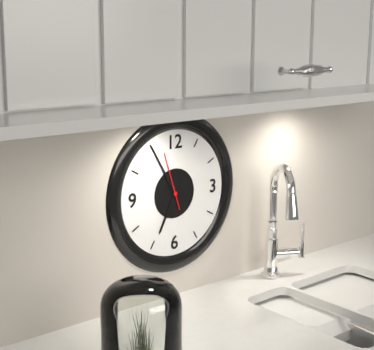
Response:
h=6 m=55 s=57
